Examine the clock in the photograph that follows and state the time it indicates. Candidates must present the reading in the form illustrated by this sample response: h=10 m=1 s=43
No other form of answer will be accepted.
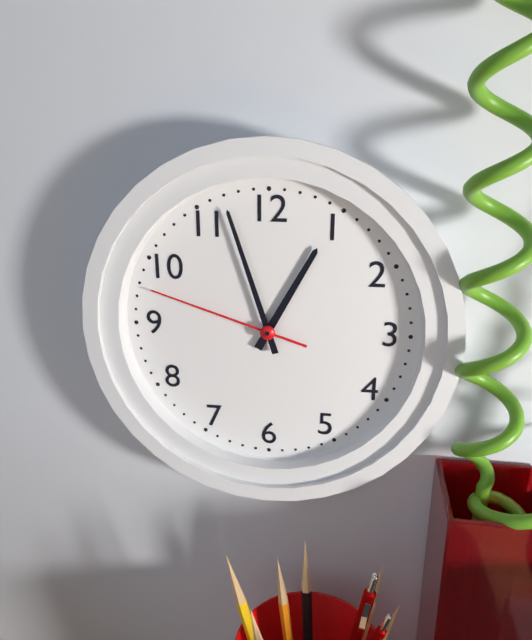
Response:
h=12 m=57 s=48
